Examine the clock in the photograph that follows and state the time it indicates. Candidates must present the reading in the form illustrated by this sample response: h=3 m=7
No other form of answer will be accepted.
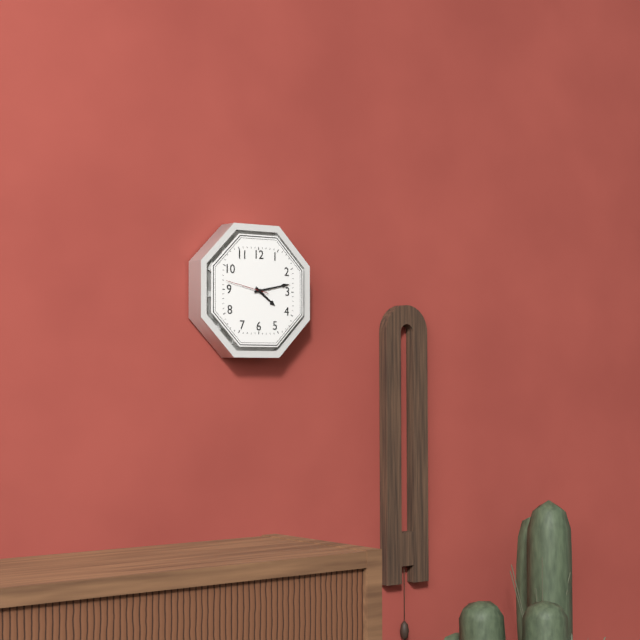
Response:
h=4 m=13
